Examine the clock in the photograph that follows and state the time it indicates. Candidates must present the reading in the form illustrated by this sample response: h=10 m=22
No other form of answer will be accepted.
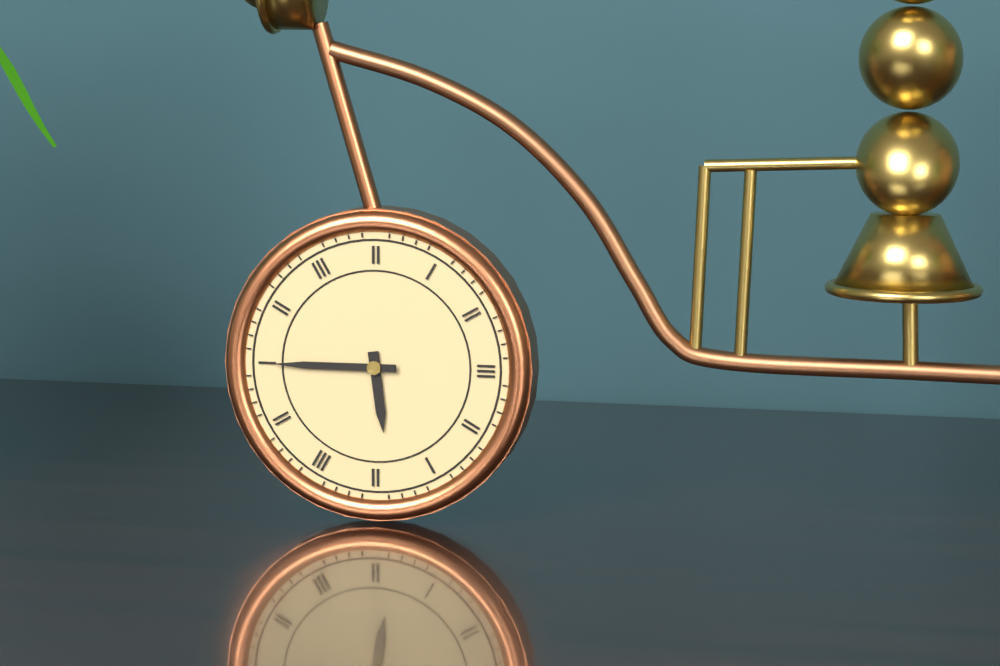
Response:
h=5 m=45
